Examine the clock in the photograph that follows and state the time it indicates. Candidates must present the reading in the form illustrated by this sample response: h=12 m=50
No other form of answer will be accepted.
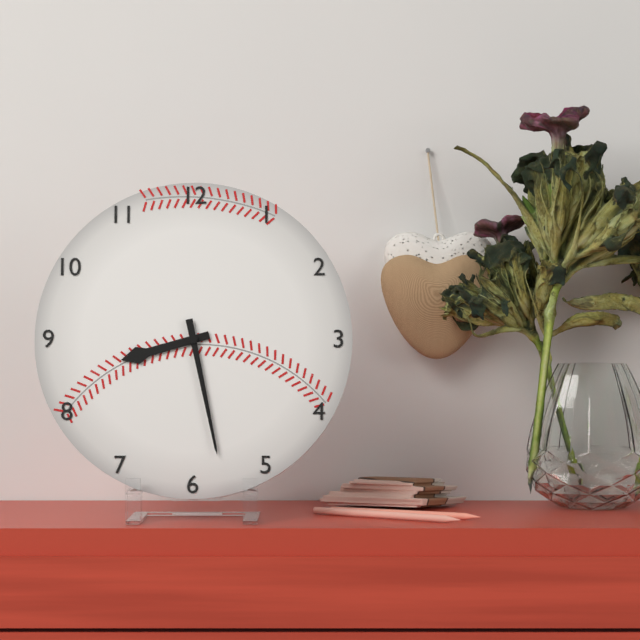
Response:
h=8 m=28
